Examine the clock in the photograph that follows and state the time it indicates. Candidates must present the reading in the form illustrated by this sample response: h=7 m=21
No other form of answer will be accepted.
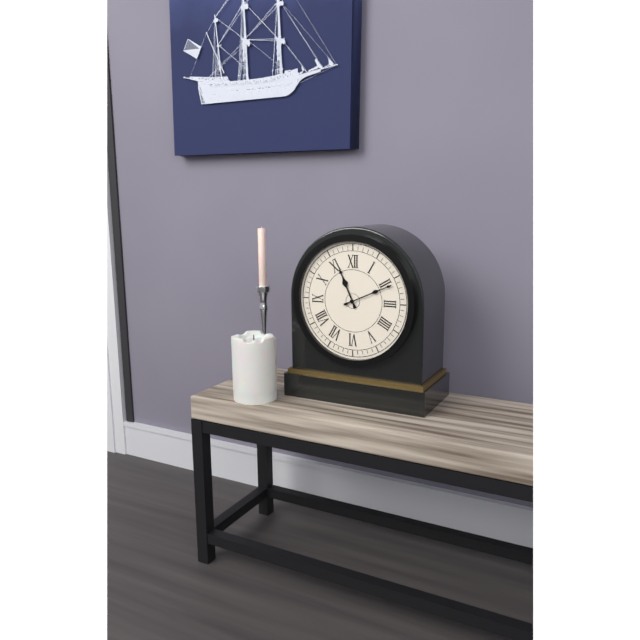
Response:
h=11 m=11
